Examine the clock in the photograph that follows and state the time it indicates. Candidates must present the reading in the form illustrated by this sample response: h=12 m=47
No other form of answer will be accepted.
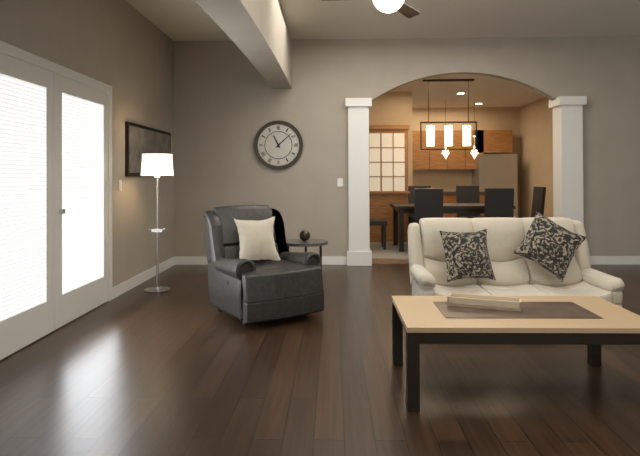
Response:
h=11 m=8
